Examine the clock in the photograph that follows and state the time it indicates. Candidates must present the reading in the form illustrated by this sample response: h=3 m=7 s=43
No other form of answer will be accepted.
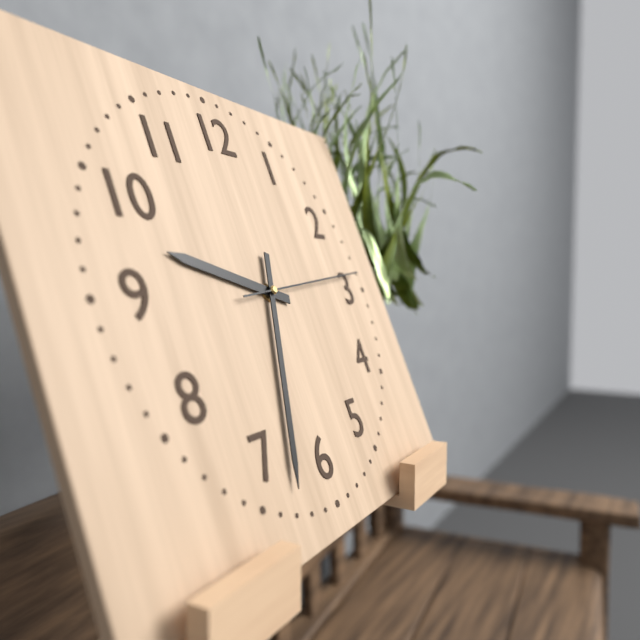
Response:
h=9 m=33 s=14
